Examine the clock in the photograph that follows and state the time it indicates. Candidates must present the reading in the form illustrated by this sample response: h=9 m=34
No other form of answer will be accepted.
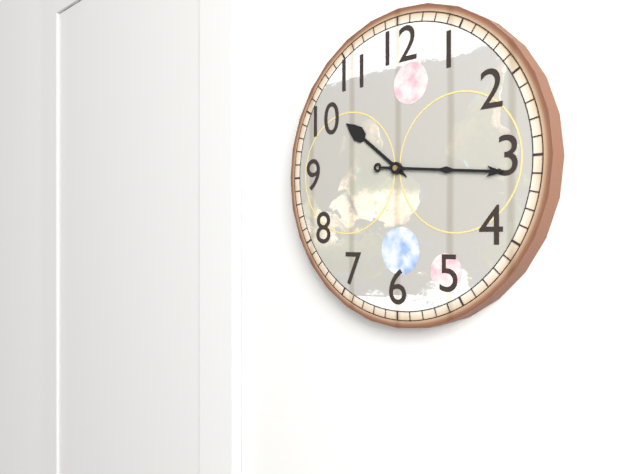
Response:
h=10 m=16
